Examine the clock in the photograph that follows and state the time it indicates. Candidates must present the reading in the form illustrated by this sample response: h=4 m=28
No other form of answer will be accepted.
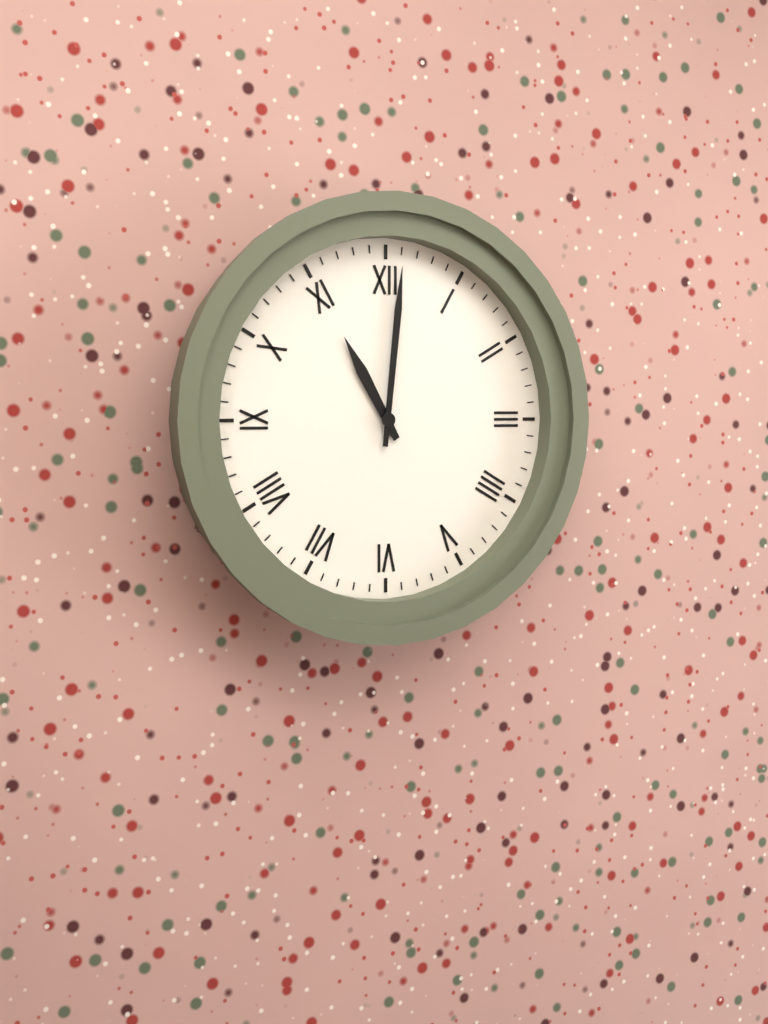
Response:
h=11 m=1
